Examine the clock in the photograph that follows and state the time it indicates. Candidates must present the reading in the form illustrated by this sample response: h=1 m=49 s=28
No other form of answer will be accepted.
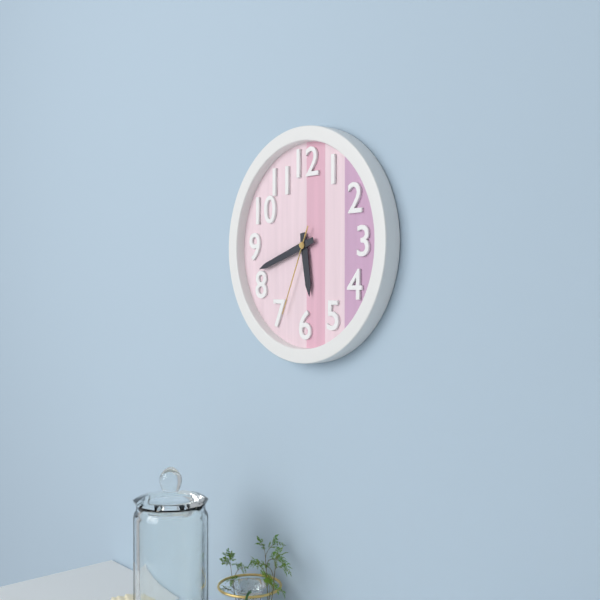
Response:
h=5 m=42 s=34
